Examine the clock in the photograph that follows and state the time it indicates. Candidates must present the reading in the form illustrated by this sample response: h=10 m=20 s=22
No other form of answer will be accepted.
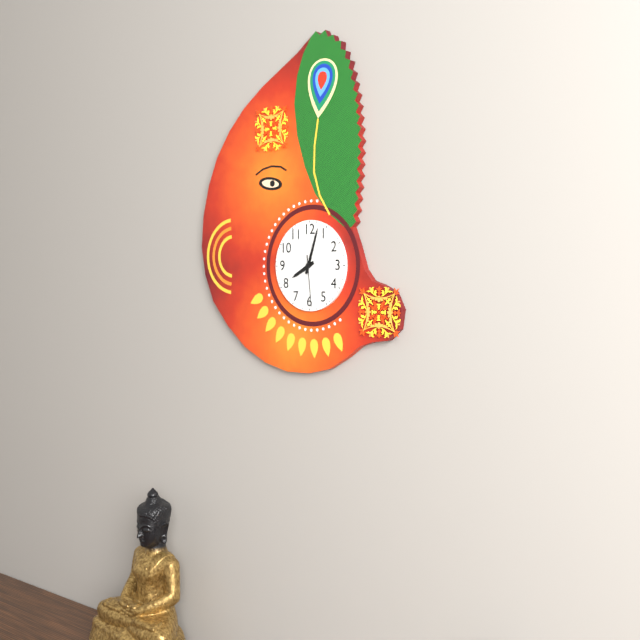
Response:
h=8 m=3 s=29
